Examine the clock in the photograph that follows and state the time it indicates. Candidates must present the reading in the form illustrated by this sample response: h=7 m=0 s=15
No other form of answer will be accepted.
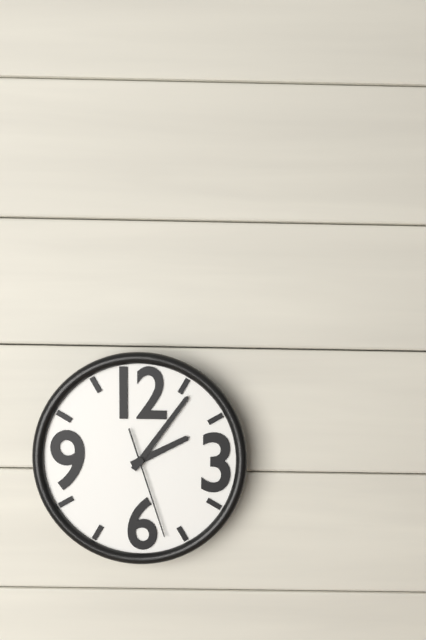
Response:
h=2 m=6 s=27
